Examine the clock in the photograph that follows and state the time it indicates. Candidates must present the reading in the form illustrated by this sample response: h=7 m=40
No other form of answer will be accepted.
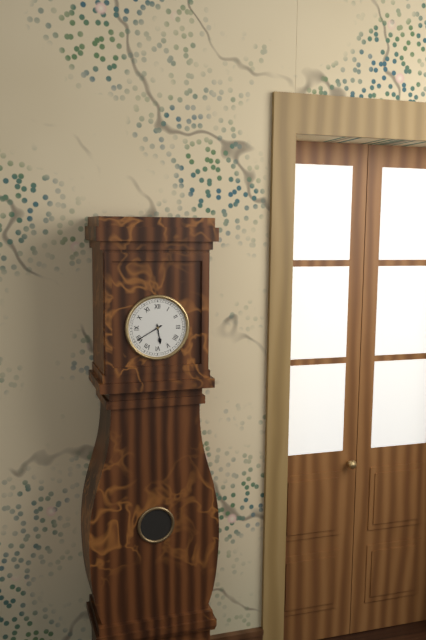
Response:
h=5 m=40
